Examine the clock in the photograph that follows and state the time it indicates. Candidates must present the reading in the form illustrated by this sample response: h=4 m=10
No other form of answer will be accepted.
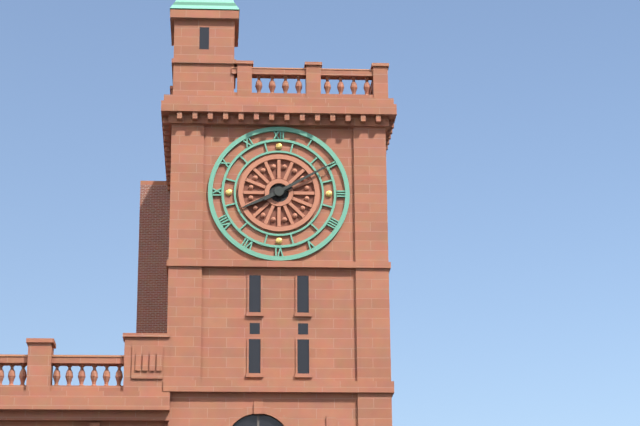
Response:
h=8 m=10
